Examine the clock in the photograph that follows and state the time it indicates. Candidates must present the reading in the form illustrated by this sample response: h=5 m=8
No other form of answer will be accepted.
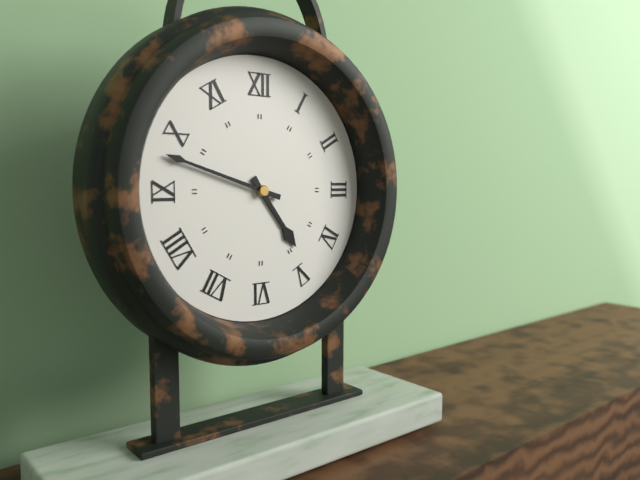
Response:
h=4 m=48
